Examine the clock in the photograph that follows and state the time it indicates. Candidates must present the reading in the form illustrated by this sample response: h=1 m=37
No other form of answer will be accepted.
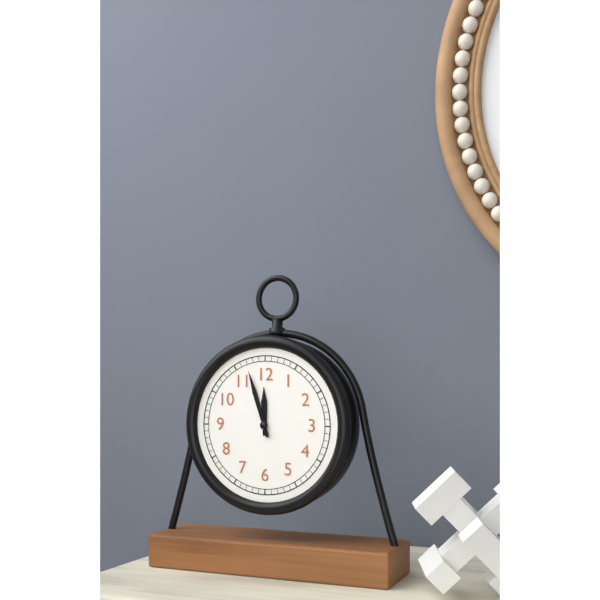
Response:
h=11 m=57
